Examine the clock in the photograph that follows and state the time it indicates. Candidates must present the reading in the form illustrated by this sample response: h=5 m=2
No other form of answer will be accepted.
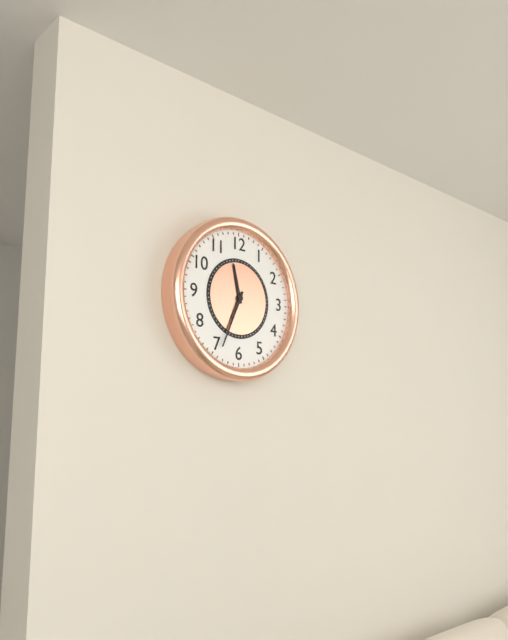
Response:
h=11 m=34
